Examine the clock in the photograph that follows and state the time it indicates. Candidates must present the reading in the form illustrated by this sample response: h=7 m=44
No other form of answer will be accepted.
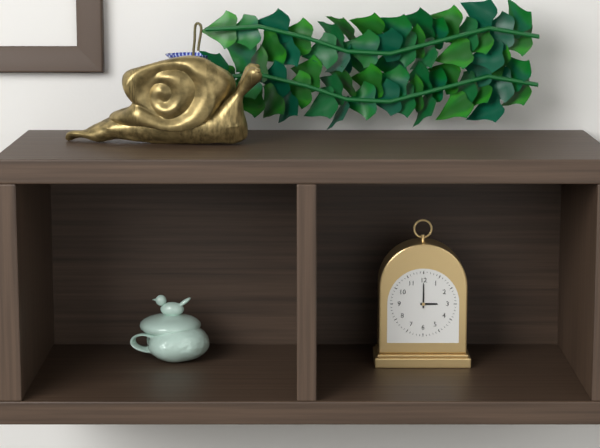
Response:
h=3 m=0
